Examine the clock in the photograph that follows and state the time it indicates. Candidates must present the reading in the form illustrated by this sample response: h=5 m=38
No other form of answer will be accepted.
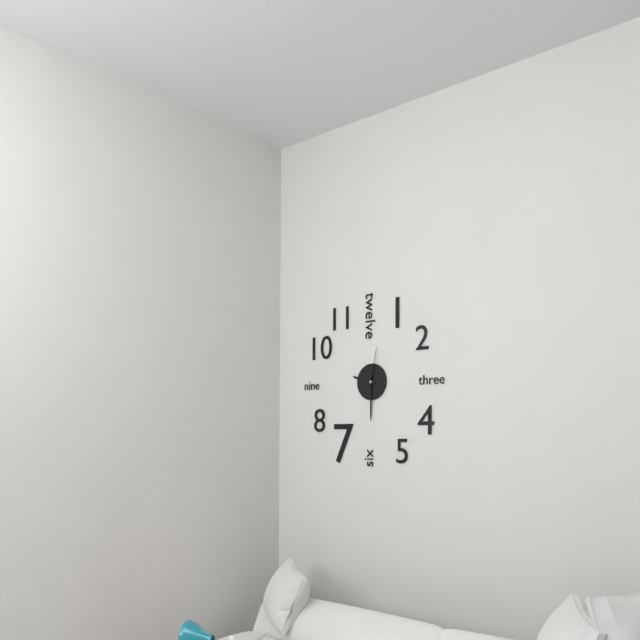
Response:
h=9 m=30
